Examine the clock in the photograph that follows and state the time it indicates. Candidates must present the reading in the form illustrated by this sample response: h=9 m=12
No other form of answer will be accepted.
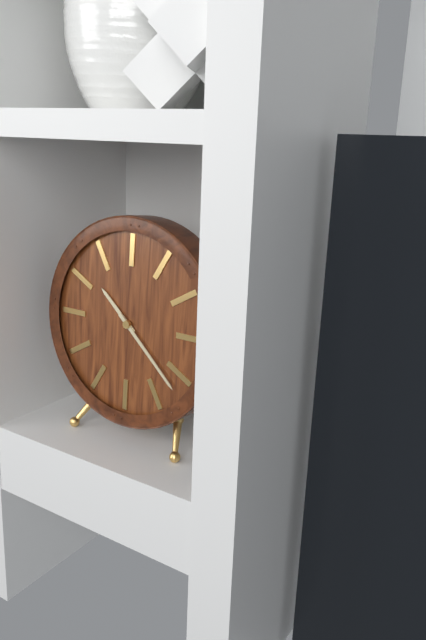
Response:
h=10 m=22
